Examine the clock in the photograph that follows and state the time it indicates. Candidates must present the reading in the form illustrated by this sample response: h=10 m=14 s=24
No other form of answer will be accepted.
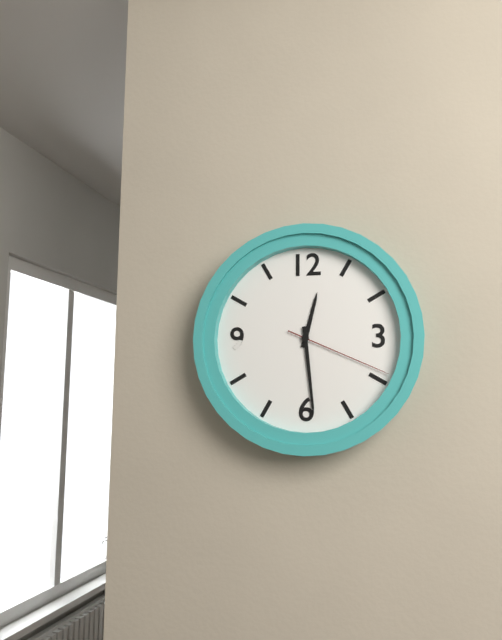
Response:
h=12 m=29 s=19
